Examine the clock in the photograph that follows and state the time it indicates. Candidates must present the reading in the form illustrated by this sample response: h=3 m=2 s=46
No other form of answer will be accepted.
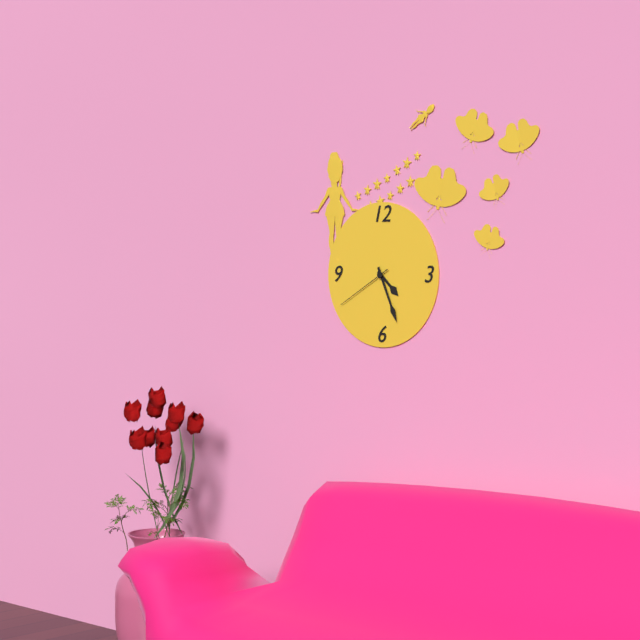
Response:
h=4 m=26 s=40
